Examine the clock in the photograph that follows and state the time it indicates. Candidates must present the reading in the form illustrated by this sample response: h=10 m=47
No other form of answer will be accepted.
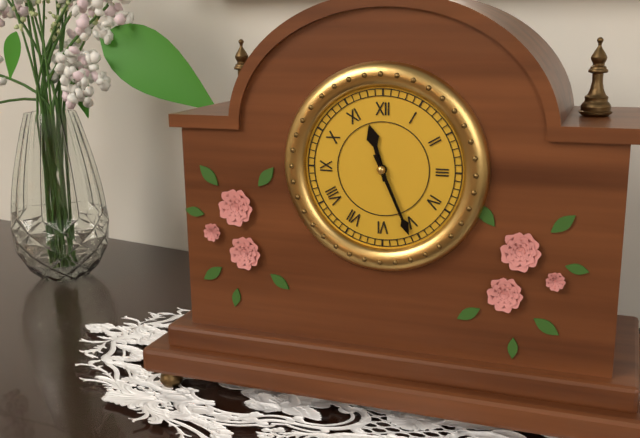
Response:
h=11 m=26
